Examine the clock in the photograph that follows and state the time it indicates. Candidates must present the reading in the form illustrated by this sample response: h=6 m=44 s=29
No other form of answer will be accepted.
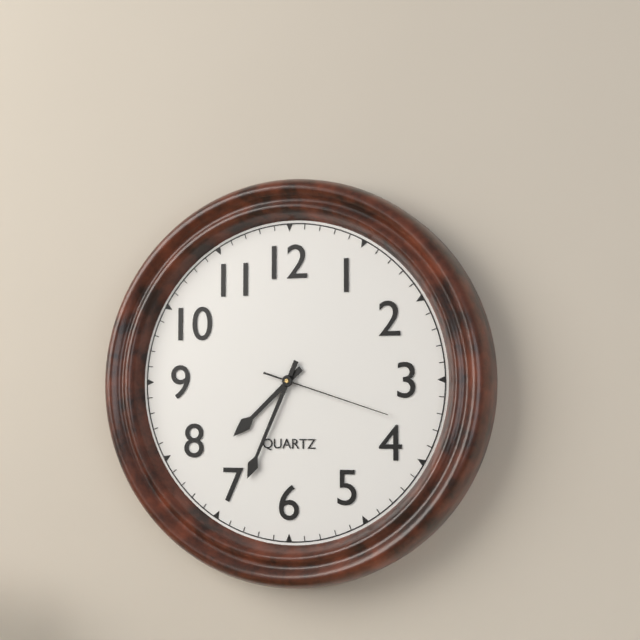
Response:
h=7 m=34 s=18
